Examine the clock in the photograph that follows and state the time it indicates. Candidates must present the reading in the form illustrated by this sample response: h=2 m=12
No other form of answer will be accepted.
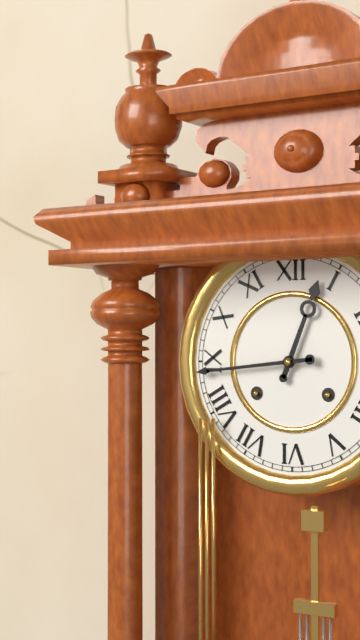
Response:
h=12 m=44
